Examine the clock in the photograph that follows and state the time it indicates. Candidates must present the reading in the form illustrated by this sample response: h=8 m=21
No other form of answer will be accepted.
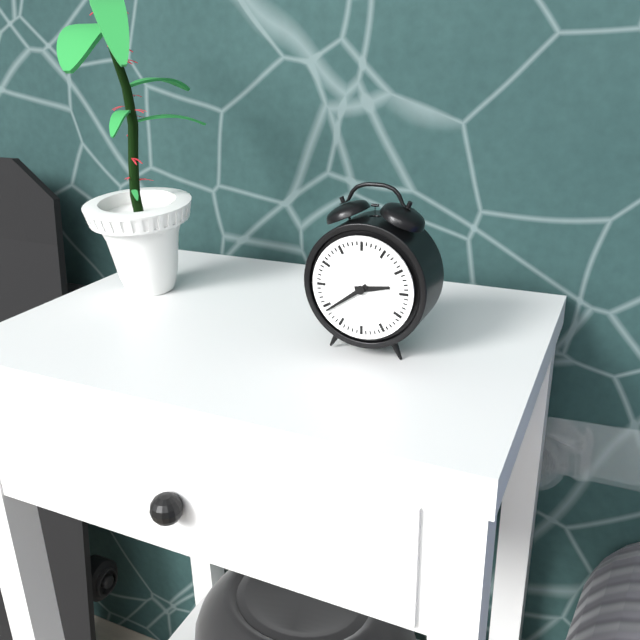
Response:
h=2 m=39
